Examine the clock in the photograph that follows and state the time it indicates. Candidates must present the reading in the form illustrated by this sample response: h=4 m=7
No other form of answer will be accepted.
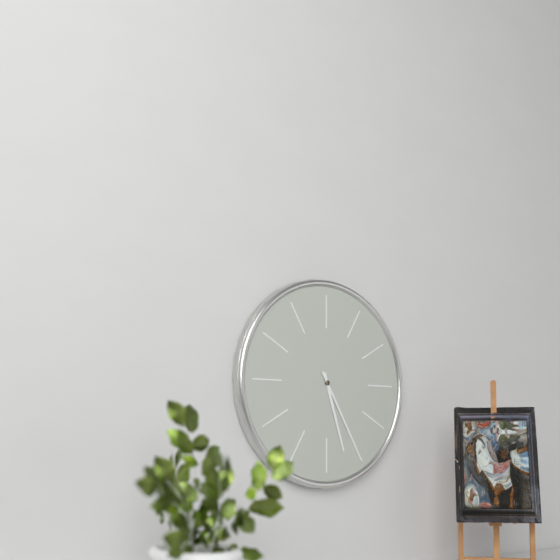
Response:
h=5 m=25
